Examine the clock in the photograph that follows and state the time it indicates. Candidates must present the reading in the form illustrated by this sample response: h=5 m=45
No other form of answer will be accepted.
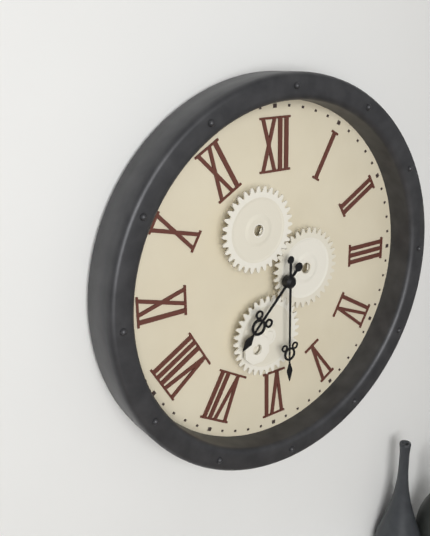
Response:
h=7 m=30
